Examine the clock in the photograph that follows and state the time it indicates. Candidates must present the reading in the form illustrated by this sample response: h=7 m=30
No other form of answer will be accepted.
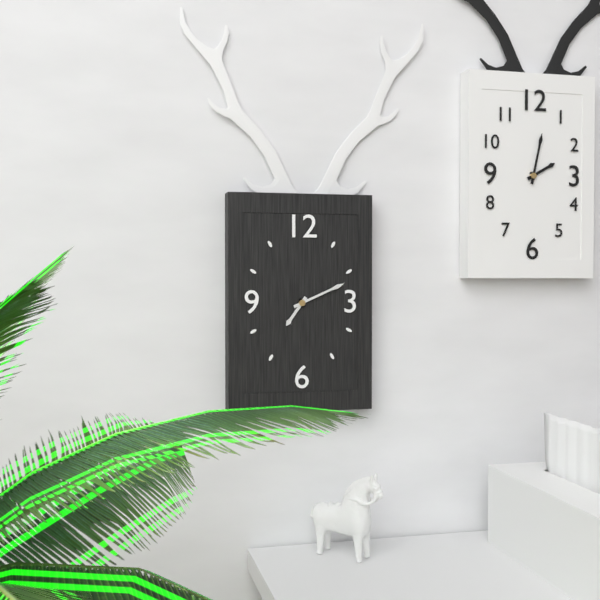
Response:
h=7 m=11
